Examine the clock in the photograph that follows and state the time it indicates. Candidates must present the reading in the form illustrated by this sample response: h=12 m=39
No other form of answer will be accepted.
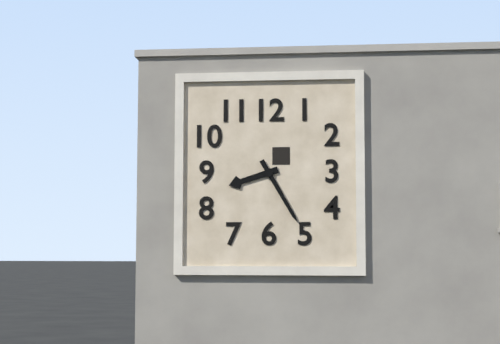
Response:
h=8 m=25
